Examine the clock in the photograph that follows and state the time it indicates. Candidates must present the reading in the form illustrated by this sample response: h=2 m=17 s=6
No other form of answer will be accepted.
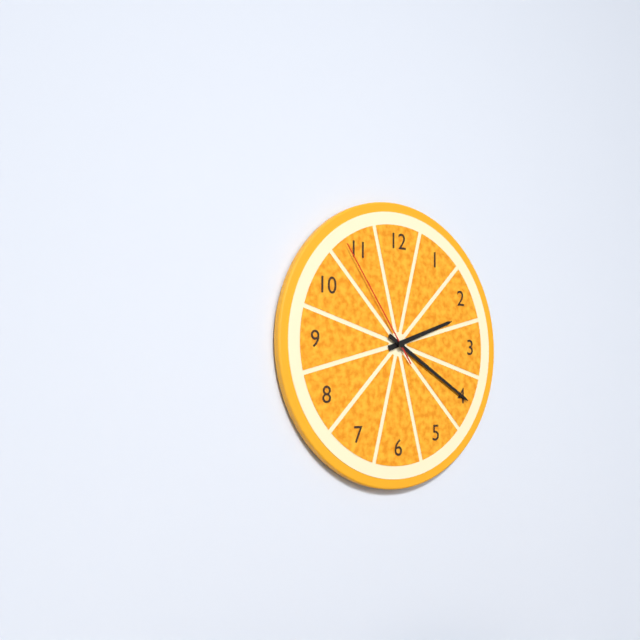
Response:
h=2 m=20 s=54
